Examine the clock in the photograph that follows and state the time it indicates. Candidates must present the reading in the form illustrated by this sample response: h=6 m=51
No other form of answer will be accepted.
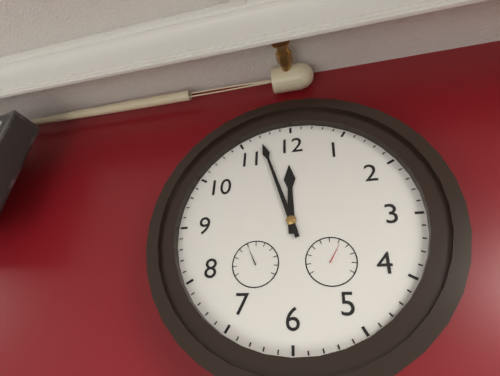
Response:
h=11 m=57
